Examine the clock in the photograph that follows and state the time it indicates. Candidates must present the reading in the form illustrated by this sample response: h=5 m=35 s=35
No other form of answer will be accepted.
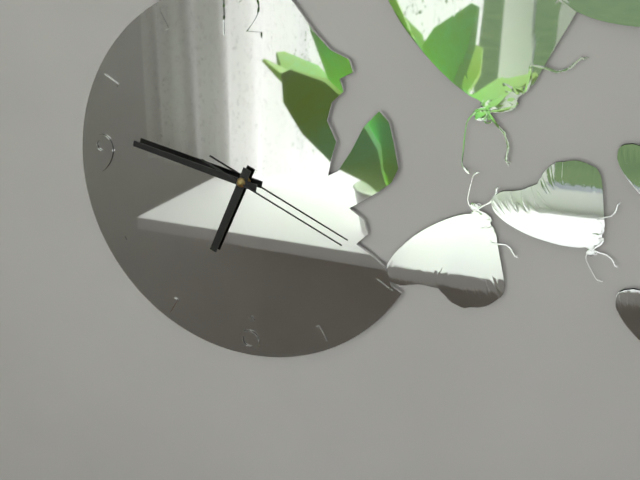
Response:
h=6 m=47 s=19
